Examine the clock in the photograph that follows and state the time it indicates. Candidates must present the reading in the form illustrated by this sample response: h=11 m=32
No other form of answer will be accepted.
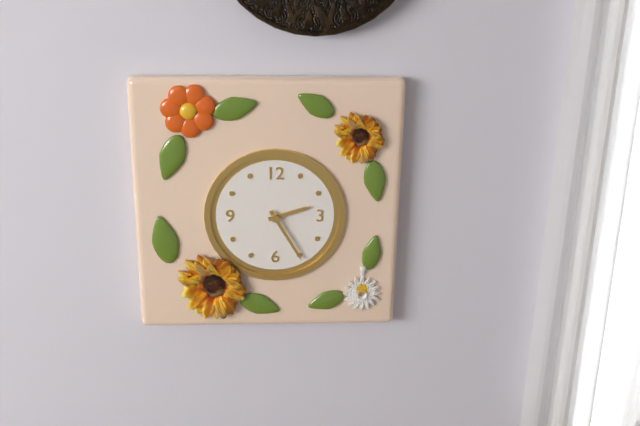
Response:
h=2 m=25
